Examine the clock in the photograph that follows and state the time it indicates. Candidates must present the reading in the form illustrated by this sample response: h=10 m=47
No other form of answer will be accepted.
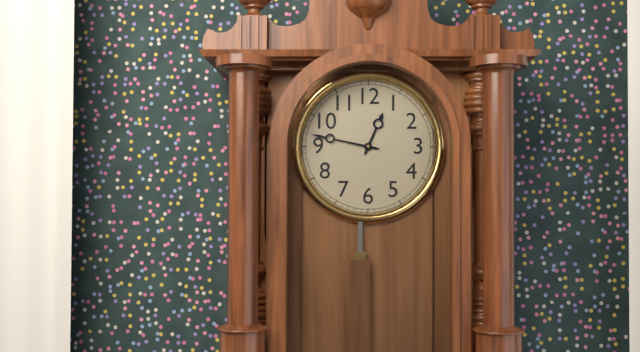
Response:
h=12 m=47
